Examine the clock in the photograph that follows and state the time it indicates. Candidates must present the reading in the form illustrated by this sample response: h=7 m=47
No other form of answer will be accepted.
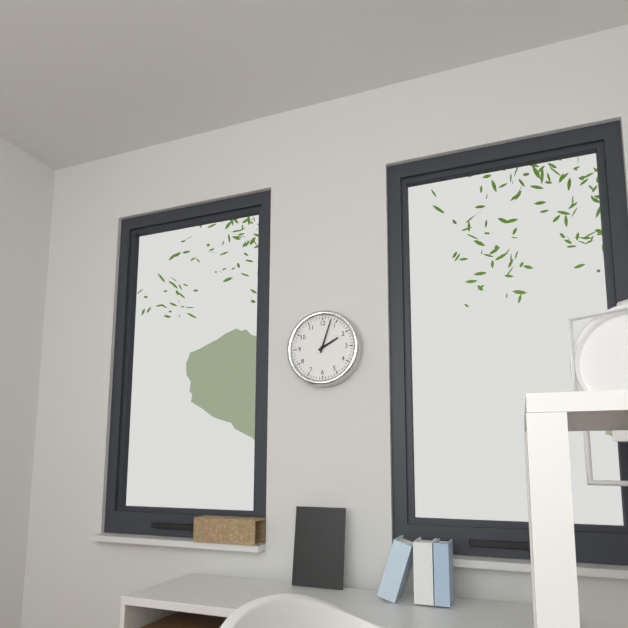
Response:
h=2 m=3
